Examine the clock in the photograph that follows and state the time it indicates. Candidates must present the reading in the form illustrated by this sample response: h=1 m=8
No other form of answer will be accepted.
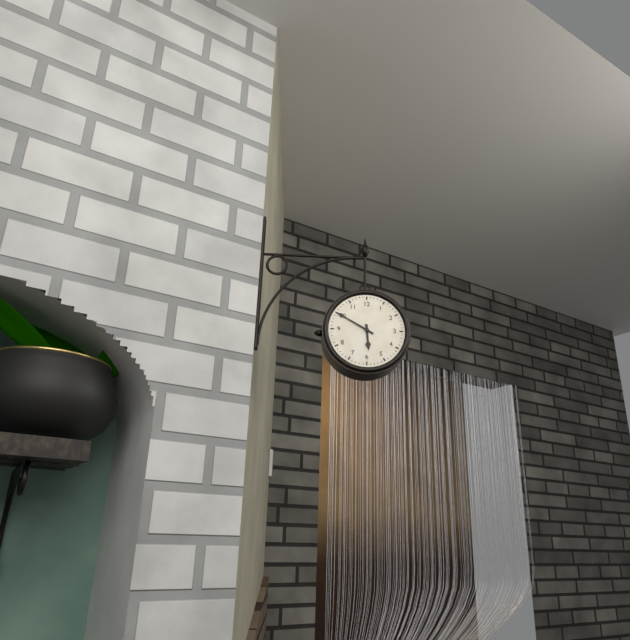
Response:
h=5 m=50
